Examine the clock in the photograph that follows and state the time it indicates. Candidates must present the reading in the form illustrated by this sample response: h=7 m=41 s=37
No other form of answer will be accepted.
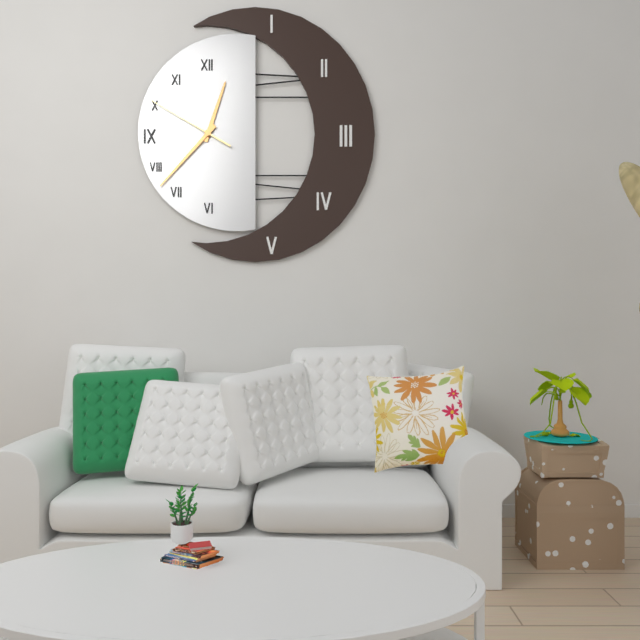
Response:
h=12 m=37 s=50
